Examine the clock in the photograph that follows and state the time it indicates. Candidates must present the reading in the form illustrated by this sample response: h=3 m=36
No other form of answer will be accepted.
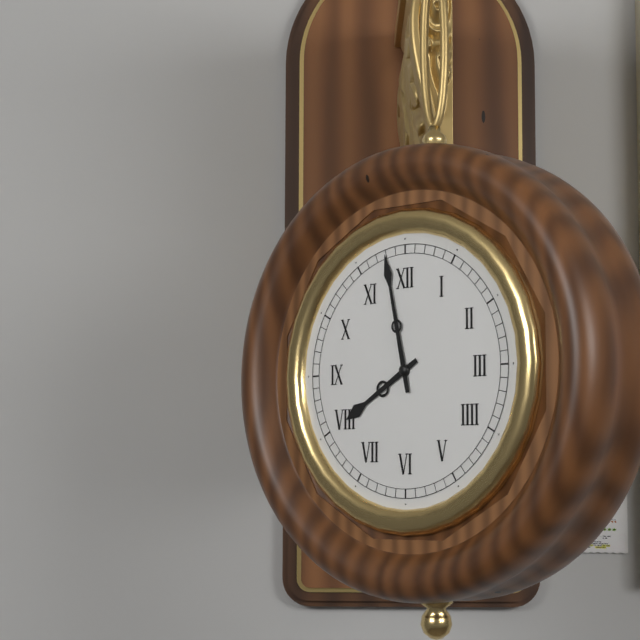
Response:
h=7 m=58
